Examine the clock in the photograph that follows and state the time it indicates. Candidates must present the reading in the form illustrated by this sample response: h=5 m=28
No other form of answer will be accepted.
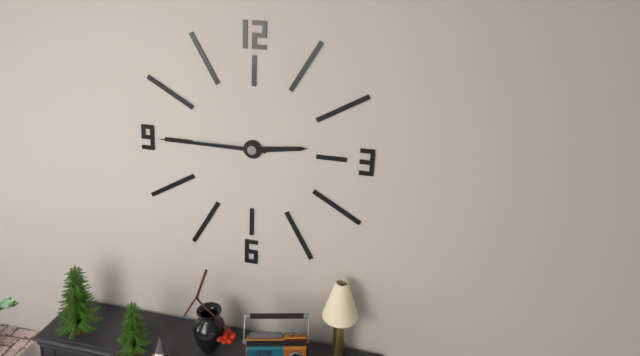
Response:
h=2 m=45
